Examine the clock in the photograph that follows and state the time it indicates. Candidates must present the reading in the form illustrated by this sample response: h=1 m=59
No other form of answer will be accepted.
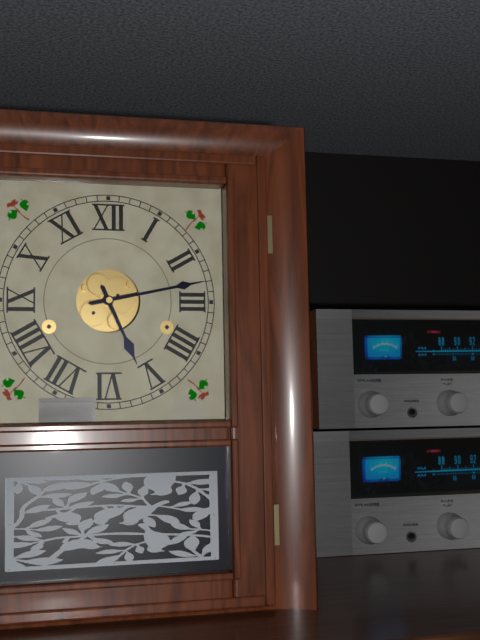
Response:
h=5 m=13
